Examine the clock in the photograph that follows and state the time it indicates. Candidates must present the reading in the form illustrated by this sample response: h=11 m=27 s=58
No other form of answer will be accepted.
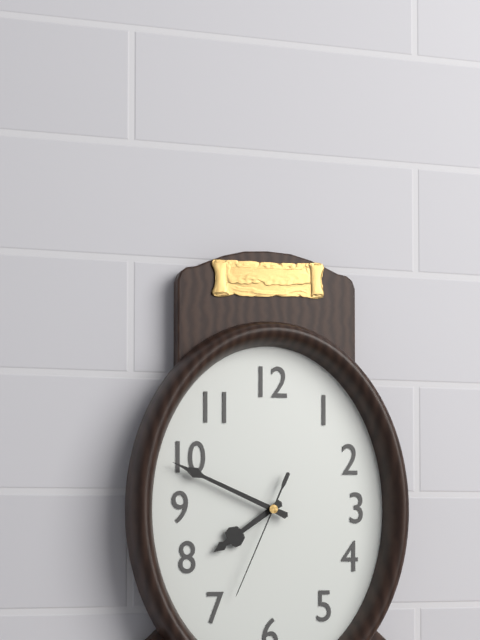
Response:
h=7 m=49 s=34
